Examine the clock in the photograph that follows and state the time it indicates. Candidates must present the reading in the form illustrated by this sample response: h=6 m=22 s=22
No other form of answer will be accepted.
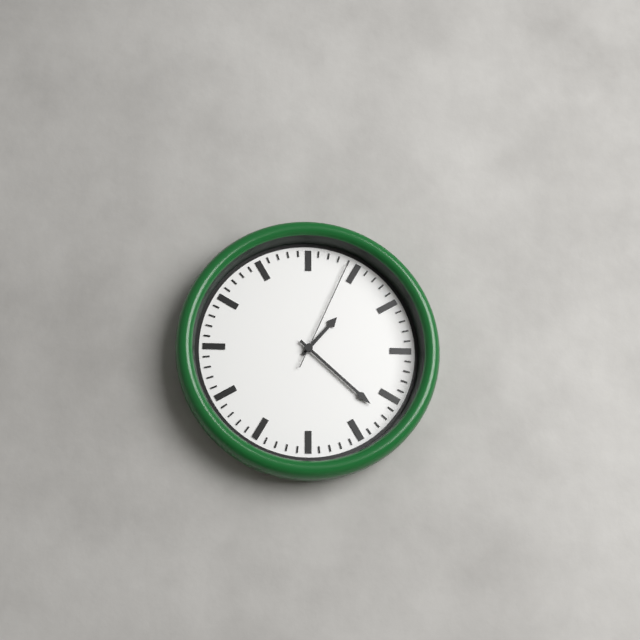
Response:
h=1 m=22 s=4
